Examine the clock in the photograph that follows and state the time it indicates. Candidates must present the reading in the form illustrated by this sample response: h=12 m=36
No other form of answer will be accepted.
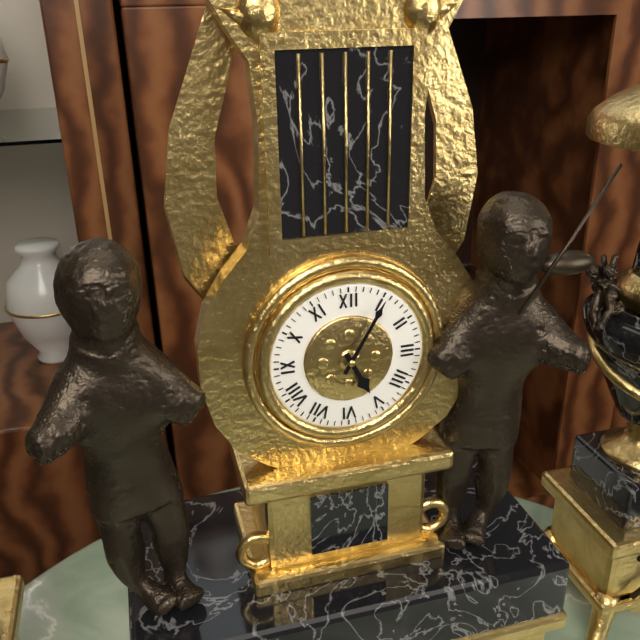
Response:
h=5 m=5
